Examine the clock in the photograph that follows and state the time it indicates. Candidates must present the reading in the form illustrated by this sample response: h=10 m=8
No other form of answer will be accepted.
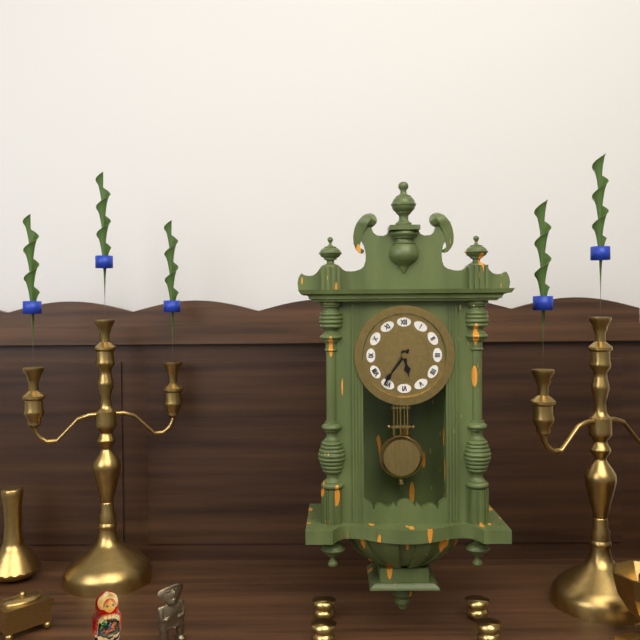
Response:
h=5 m=36
